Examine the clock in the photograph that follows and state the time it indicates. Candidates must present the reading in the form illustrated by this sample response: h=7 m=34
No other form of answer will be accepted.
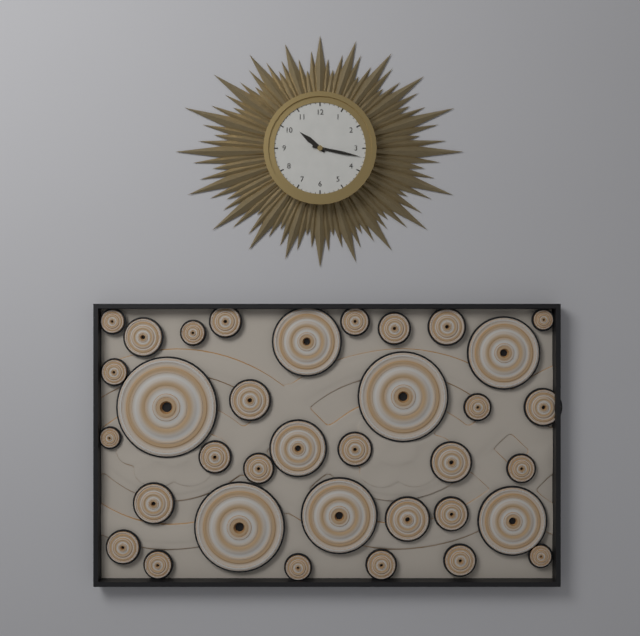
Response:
h=10 m=17
